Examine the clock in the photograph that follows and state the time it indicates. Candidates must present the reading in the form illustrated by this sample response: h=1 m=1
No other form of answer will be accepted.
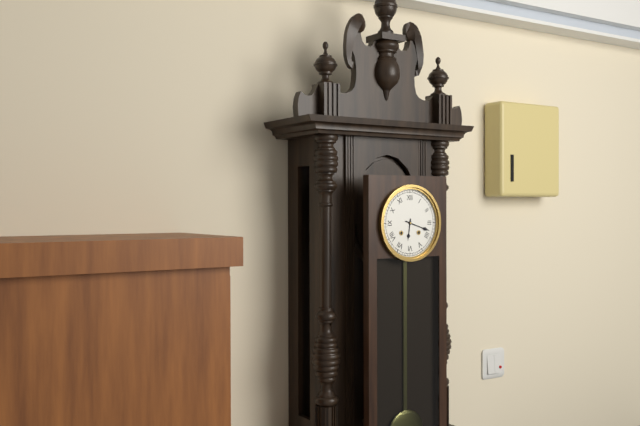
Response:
h=6 m=18
